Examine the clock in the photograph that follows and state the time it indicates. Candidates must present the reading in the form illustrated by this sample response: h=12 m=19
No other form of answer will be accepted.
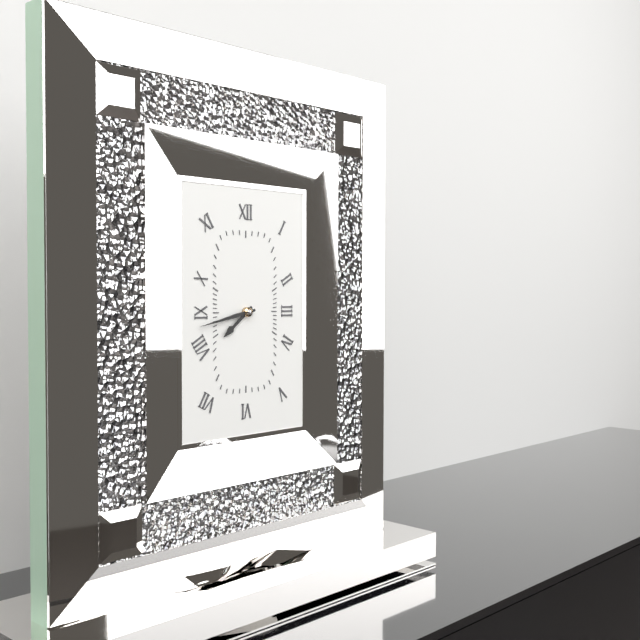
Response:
h=7 m=43
